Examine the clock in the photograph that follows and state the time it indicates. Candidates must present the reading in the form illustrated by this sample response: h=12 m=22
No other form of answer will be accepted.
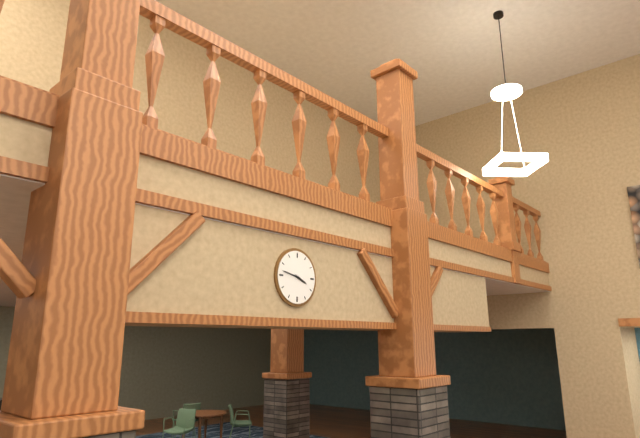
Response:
h=3 m=47
